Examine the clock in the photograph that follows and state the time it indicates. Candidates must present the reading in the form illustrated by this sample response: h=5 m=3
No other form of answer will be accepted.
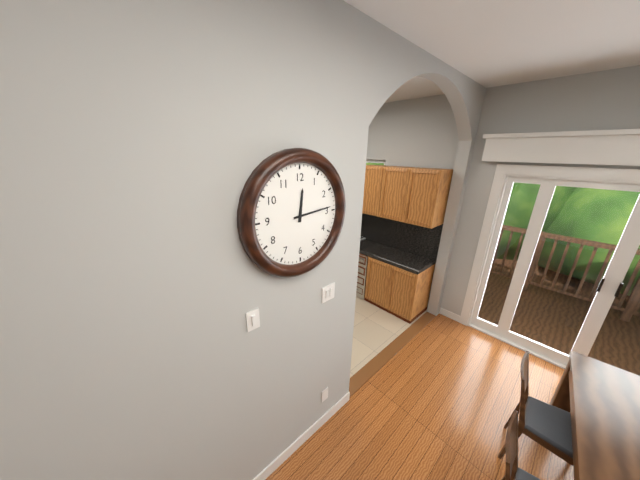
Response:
h=12 m=14
